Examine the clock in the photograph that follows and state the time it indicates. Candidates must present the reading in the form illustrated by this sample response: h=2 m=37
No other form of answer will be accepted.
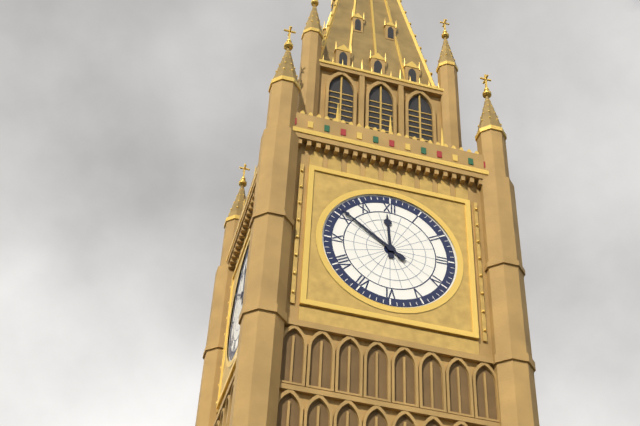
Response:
h=11 m=51
